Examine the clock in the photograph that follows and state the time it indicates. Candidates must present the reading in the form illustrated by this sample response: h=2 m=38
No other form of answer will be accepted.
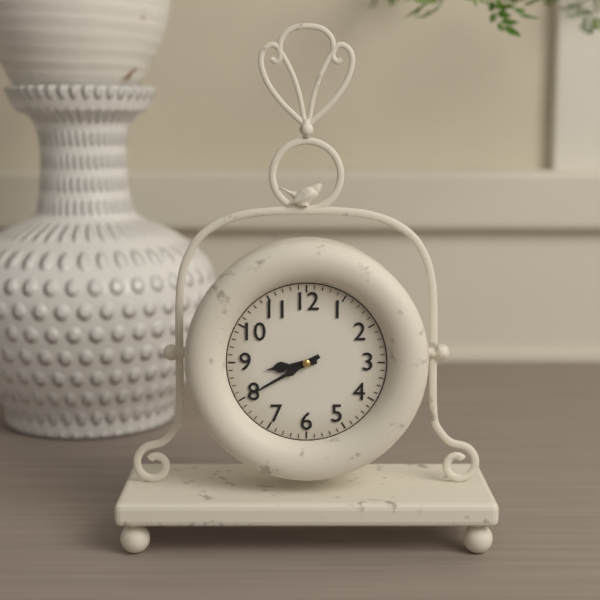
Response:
h=8 m=40
